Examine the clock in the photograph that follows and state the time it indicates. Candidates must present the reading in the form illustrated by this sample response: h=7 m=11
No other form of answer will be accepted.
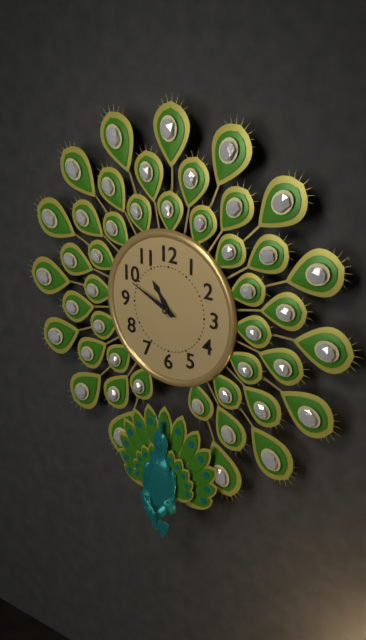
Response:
h=10 m=49
